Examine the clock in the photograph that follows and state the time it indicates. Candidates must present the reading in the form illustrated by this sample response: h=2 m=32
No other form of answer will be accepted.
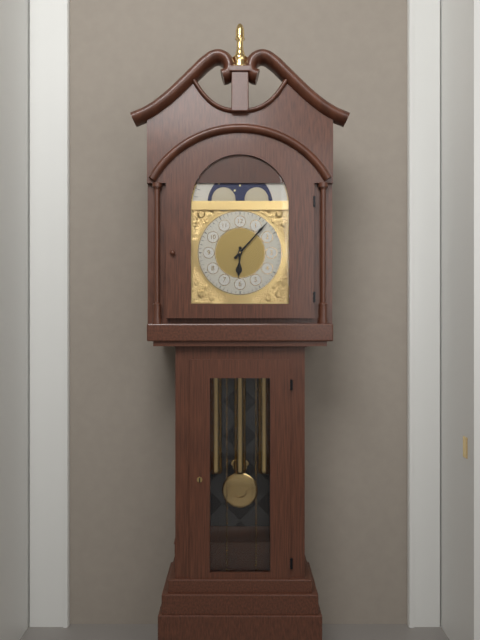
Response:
h=6 m=7
